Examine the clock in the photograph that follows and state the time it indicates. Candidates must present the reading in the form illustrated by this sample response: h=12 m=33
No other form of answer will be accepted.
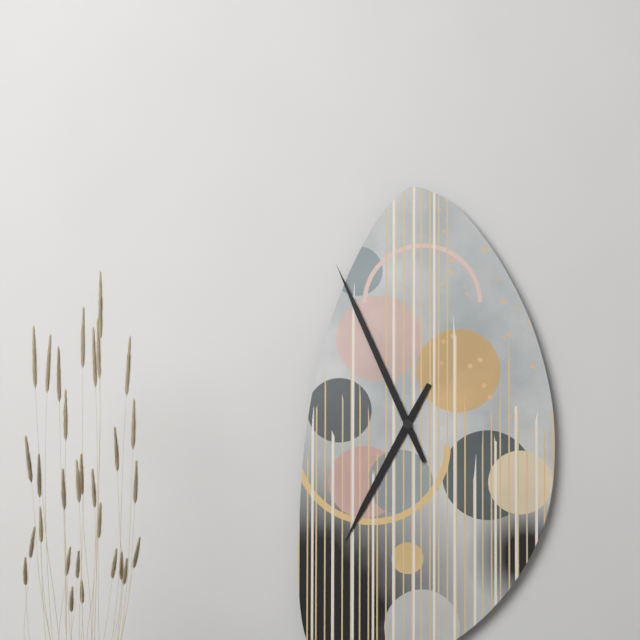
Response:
h=6 m=56
